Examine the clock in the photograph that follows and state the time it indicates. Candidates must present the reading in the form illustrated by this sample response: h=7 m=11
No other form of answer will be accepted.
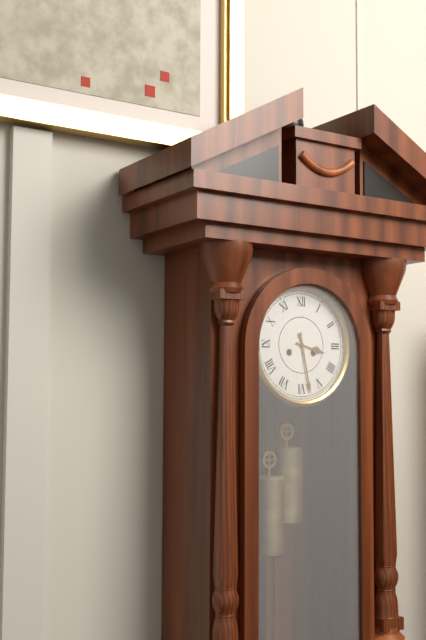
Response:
h=3 m=28
